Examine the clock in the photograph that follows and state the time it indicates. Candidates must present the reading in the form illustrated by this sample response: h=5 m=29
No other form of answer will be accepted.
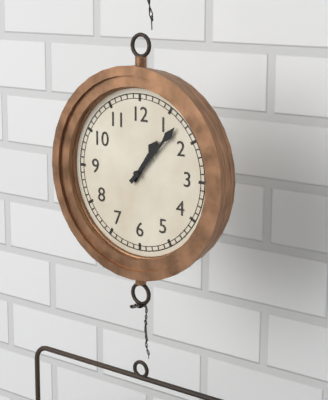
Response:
h=1 m=7
